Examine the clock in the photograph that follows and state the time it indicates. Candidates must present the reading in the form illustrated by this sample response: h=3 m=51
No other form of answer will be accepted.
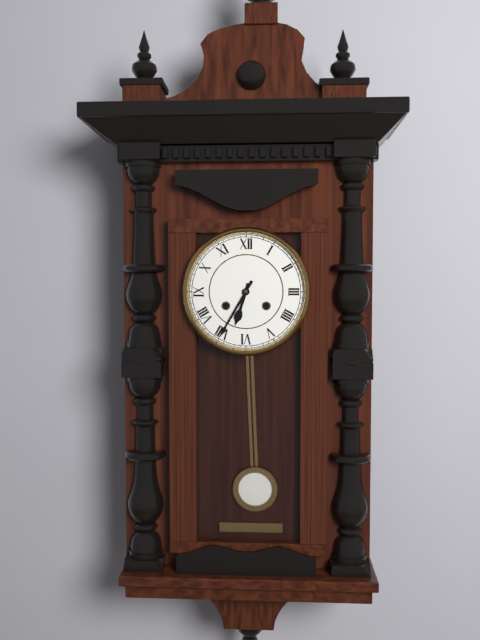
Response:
h=6 m=35
